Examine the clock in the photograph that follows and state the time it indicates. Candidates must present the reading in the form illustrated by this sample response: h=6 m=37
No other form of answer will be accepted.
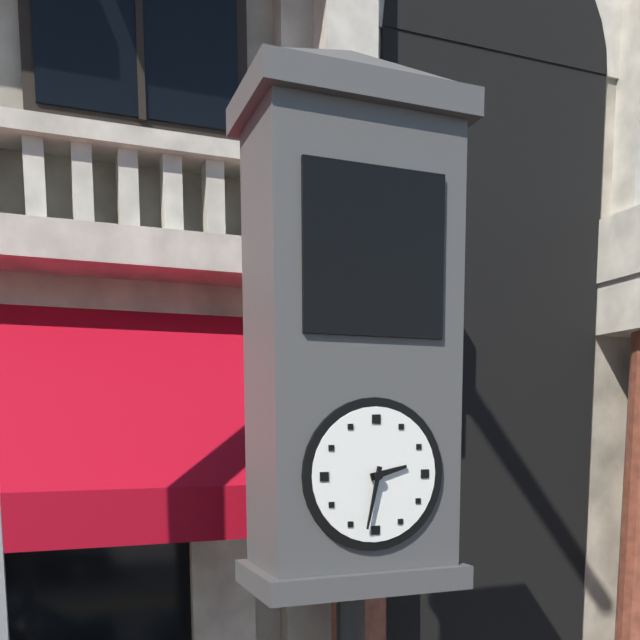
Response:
h=2 m=32
